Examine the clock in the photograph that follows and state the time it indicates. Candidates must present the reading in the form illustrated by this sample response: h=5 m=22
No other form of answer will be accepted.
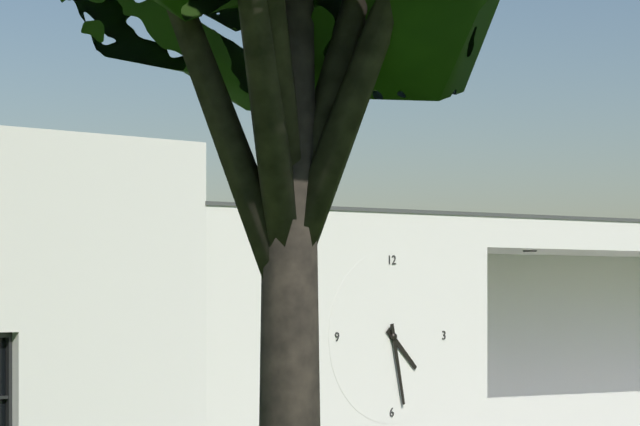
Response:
h=4 m=28
